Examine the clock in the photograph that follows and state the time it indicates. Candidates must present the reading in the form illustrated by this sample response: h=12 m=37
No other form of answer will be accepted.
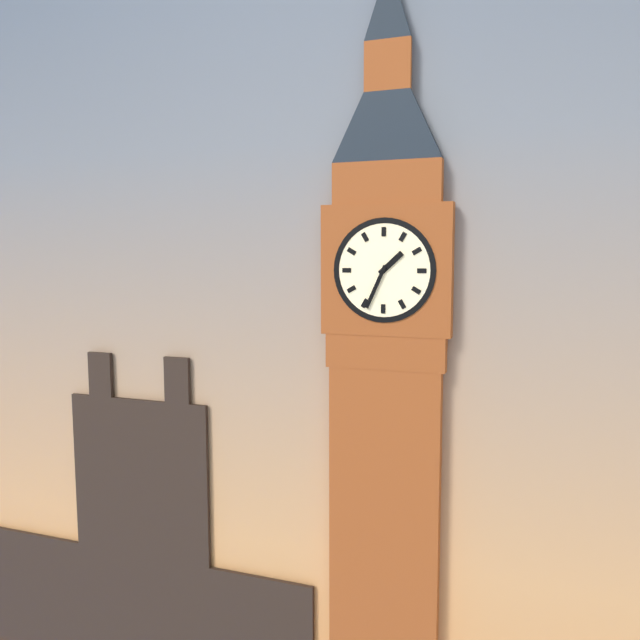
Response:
h=1 m=34
